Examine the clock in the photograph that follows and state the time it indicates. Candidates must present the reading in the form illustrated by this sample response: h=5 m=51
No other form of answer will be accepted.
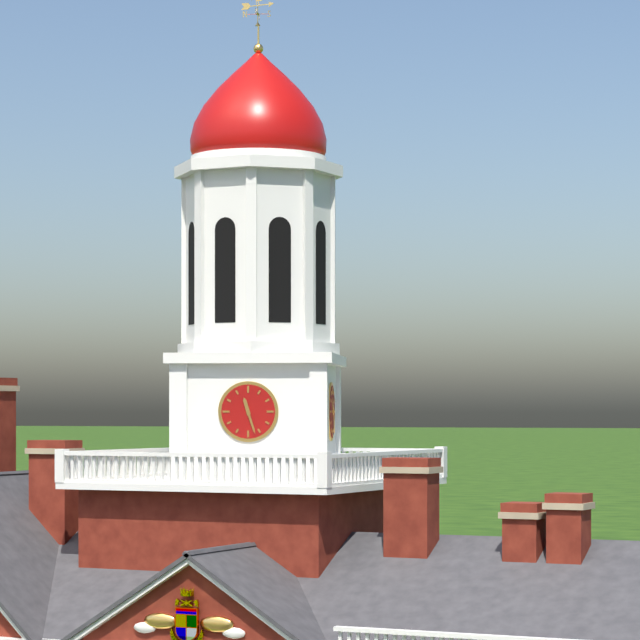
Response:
h=11 m=27
